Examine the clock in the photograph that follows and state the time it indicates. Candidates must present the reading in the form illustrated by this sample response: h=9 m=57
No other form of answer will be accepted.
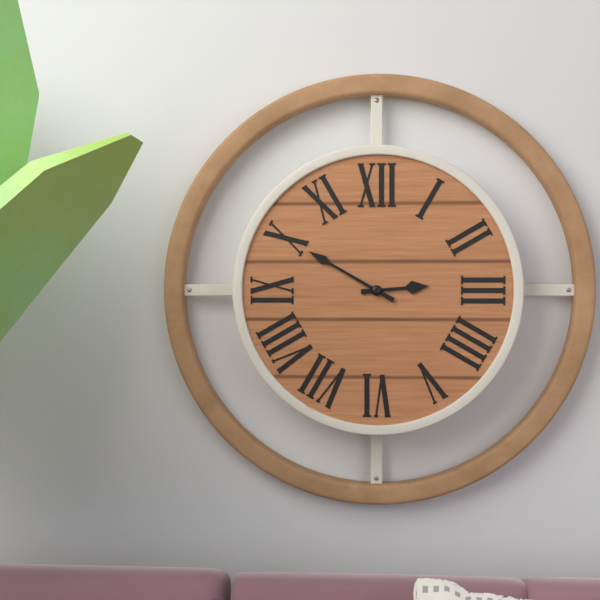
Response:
h=2 m=50
